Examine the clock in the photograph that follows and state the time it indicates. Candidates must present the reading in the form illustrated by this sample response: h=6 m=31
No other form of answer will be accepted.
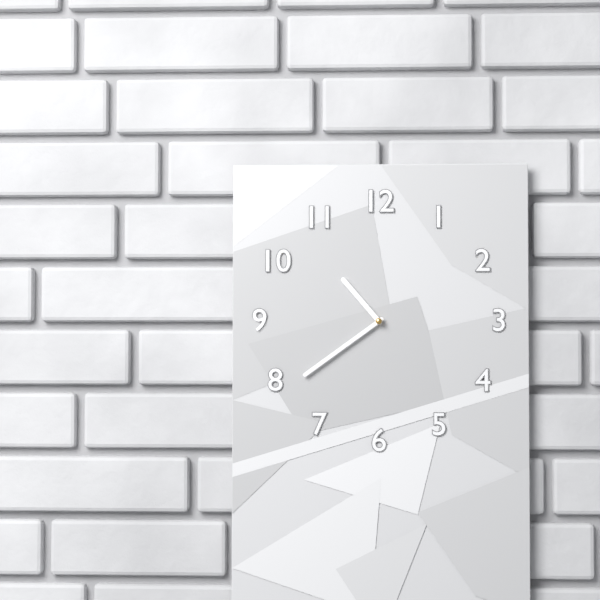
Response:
h=10 m=39
